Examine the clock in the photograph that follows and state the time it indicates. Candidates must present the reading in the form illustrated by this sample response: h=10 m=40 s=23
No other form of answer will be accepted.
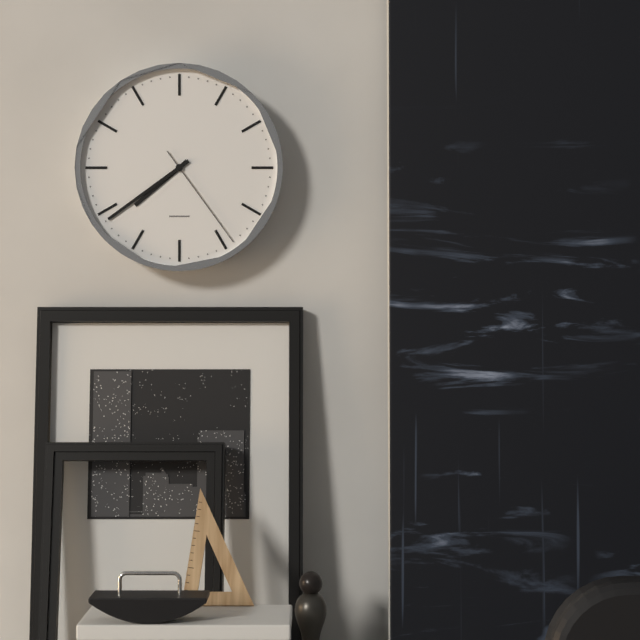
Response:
h=7 m=39 s=24
